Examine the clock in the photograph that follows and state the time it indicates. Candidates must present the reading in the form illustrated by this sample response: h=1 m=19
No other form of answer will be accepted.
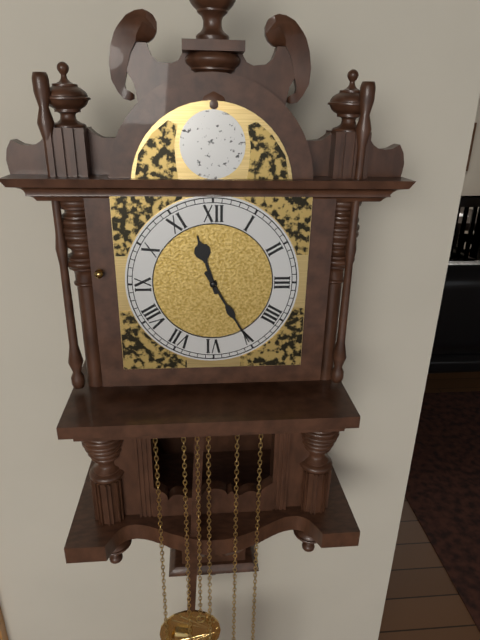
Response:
h=11 m=25
